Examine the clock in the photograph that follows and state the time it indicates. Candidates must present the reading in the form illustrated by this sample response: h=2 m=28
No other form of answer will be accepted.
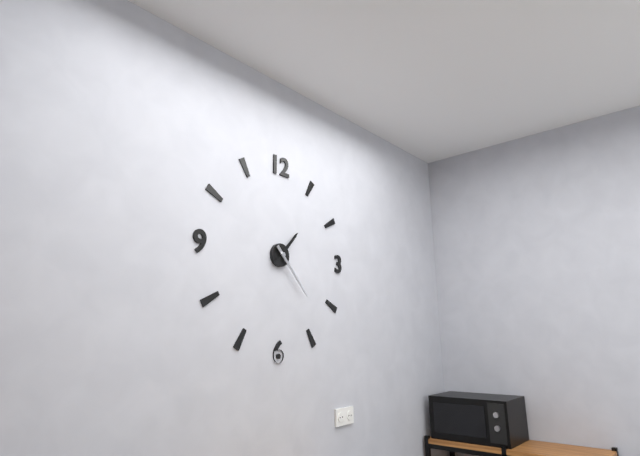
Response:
h=1 m=23
